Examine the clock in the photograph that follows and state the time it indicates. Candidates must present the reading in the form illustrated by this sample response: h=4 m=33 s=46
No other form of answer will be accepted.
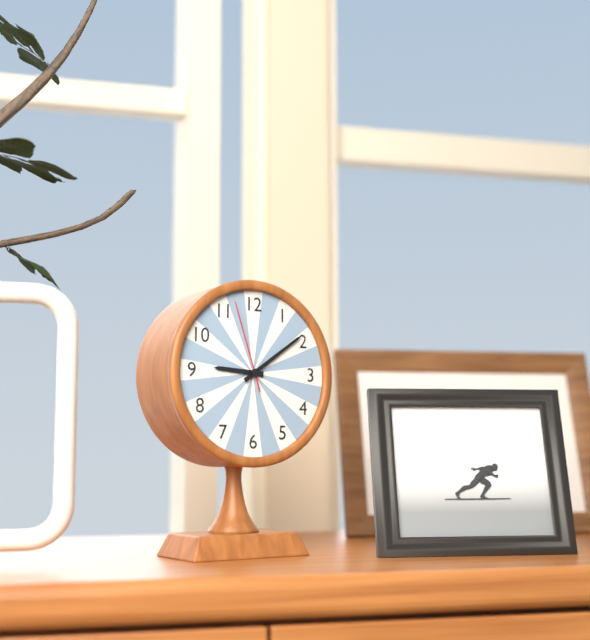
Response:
h=9 m=9 s=57
